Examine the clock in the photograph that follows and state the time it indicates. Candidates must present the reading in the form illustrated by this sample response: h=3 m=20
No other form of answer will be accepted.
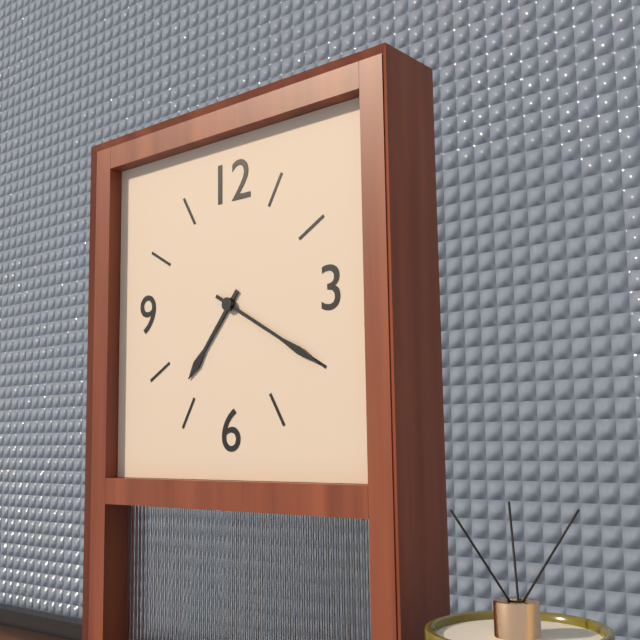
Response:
h=7 m=20
